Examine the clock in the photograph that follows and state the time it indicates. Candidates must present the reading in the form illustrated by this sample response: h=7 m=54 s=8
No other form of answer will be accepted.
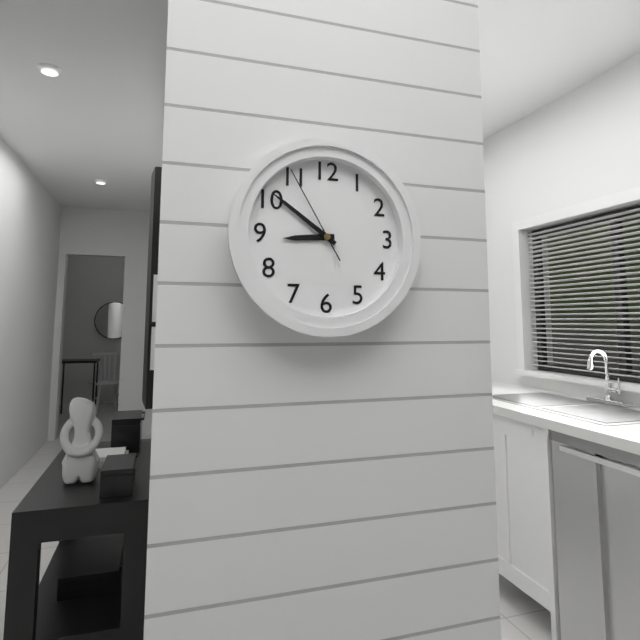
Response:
h=8 m=51 s=55
